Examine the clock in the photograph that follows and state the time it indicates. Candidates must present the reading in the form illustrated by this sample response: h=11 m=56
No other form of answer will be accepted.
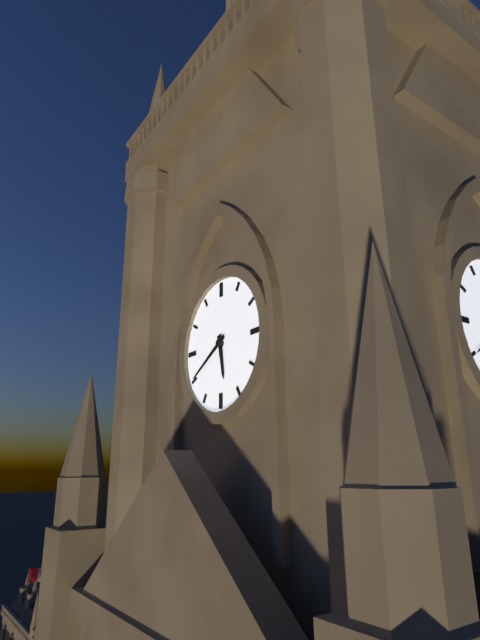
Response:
h=5 m=40
